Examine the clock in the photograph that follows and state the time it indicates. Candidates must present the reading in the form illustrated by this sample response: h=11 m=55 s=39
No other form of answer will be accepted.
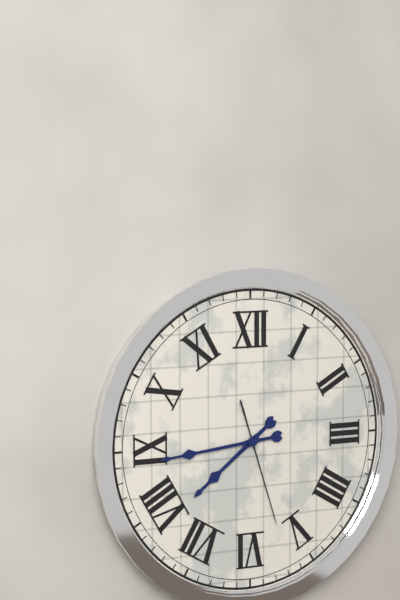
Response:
h=7 m=44 s=27
